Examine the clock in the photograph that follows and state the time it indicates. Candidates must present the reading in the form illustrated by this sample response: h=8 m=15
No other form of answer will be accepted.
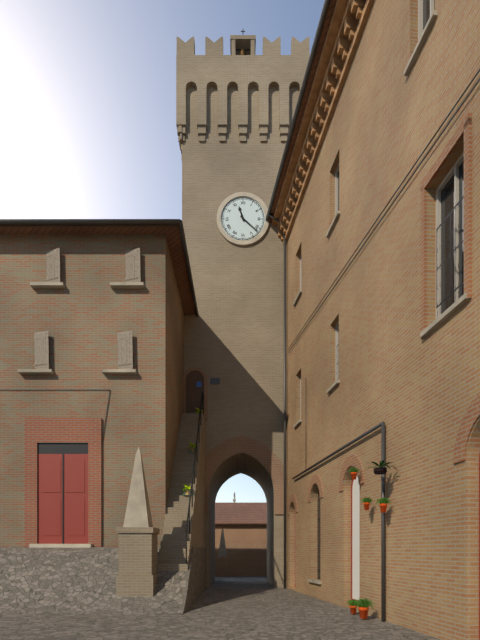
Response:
h=11 m=22
